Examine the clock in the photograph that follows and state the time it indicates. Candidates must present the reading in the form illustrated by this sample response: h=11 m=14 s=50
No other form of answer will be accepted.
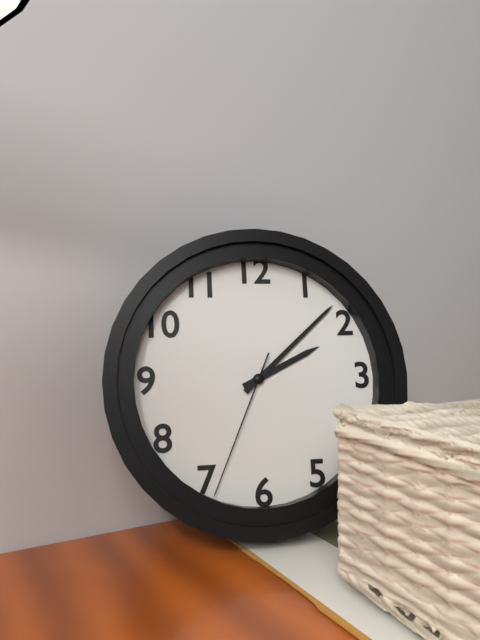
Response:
h=2 m=8 s=34
